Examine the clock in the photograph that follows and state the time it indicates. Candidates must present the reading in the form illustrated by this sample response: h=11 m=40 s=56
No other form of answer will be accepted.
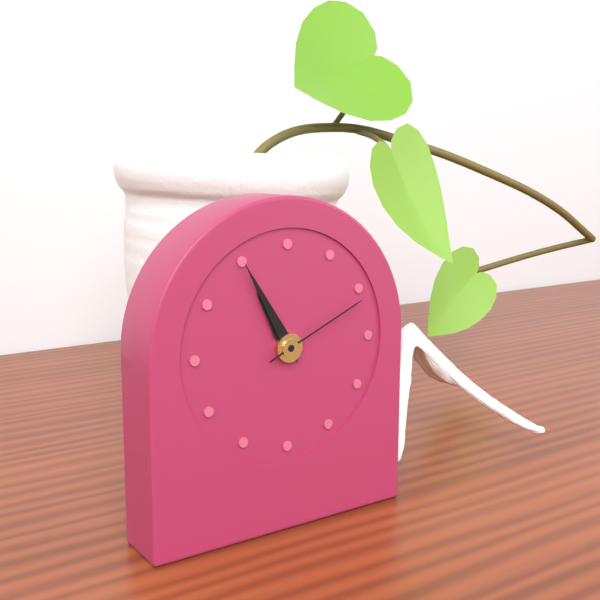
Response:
h=10 m=55 s=11
